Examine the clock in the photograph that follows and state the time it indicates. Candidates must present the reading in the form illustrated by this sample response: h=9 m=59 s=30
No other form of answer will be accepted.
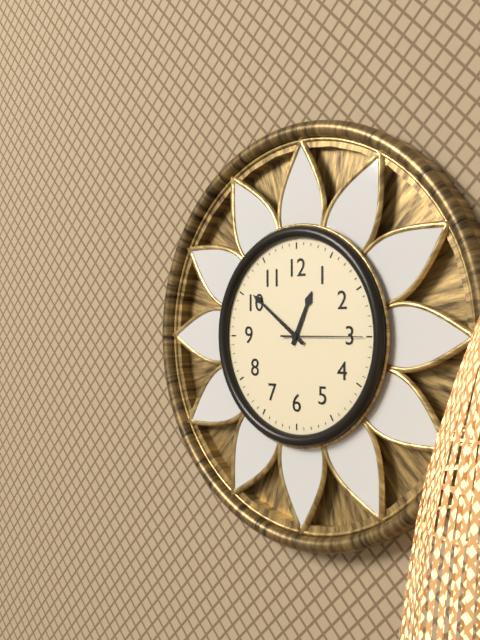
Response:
h=12 m=51 s=15
